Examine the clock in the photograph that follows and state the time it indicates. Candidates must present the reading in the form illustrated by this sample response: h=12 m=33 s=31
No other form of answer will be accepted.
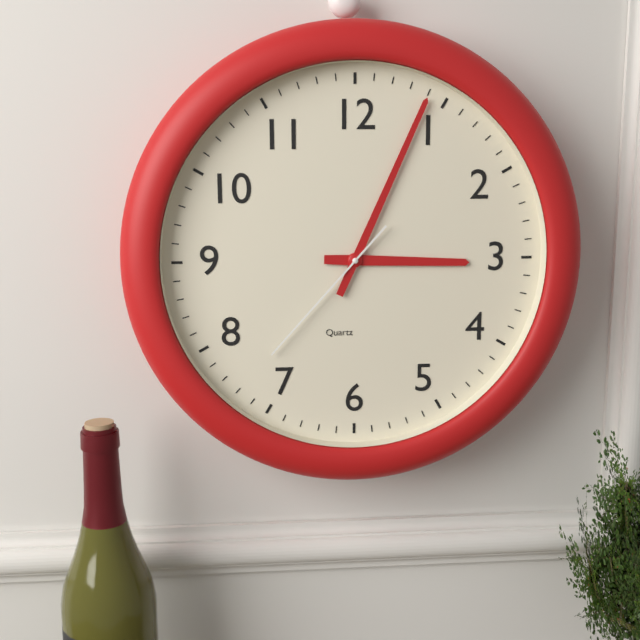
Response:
h=3 m=4 s=37
